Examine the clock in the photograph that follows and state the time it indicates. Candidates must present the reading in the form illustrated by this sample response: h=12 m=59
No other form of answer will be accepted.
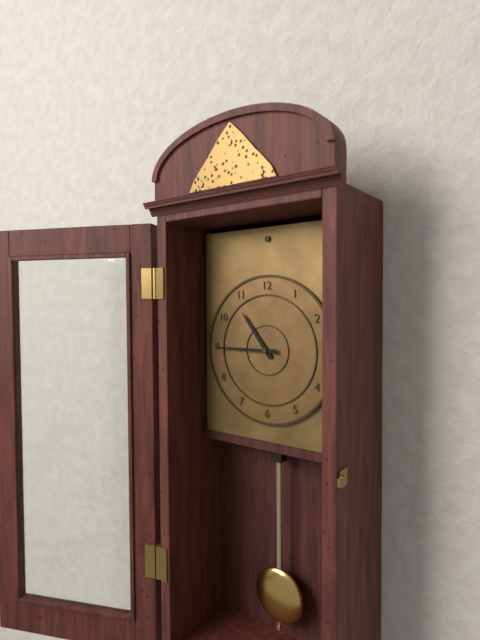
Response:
h=10 m=45
